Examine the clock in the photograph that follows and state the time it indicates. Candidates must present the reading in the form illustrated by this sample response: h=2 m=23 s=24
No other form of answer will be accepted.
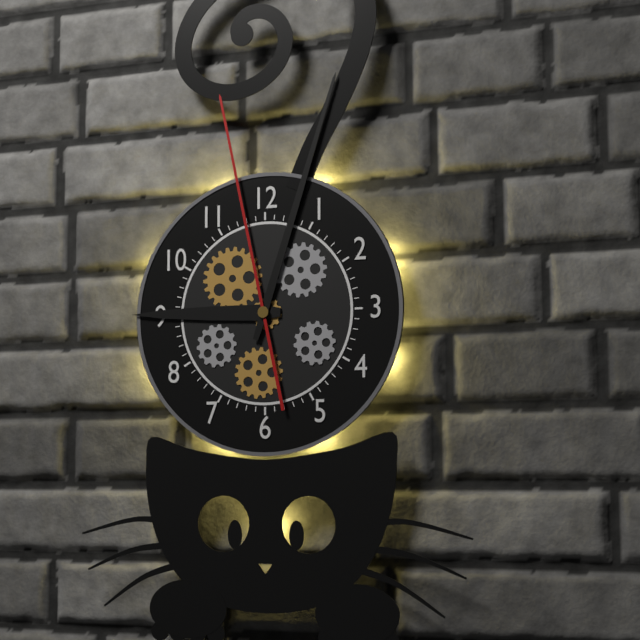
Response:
h=9 m=3 s=58
